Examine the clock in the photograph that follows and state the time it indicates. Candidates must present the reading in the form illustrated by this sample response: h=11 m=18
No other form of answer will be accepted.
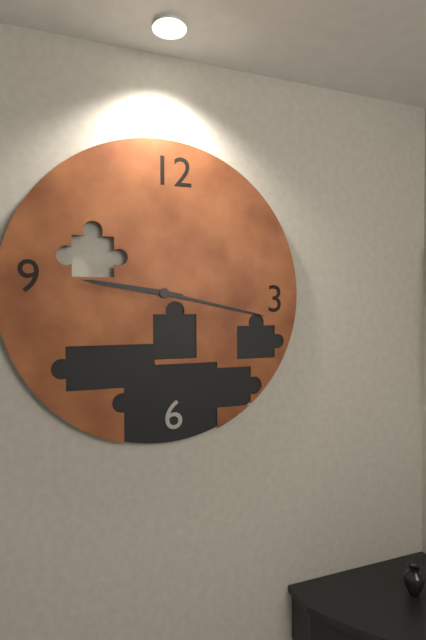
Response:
h=9 m=17
